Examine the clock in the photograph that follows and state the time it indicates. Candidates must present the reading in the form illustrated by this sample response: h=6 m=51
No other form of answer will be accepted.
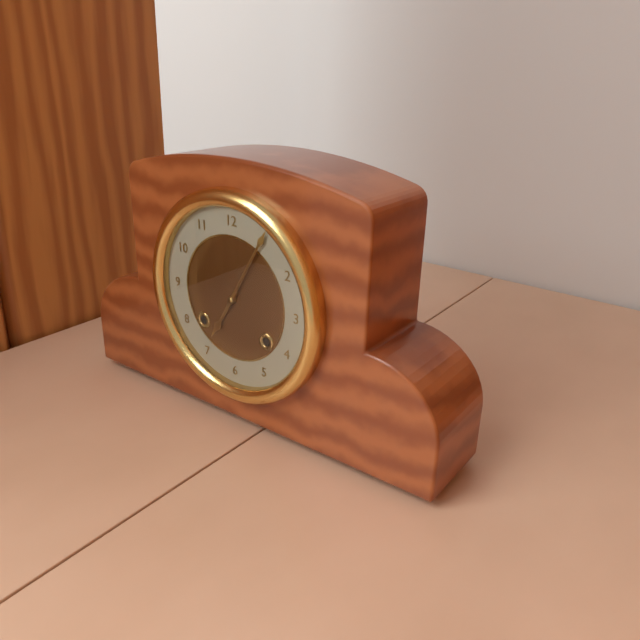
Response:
h=7 m=5
